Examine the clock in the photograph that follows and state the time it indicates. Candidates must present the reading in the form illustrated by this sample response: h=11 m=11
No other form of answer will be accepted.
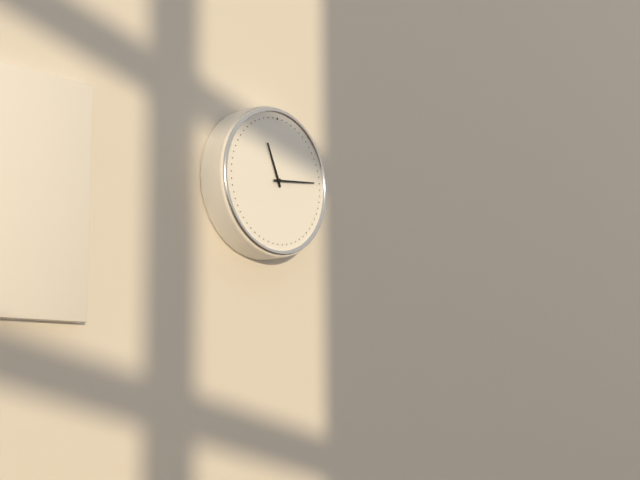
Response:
h=11 m=14
